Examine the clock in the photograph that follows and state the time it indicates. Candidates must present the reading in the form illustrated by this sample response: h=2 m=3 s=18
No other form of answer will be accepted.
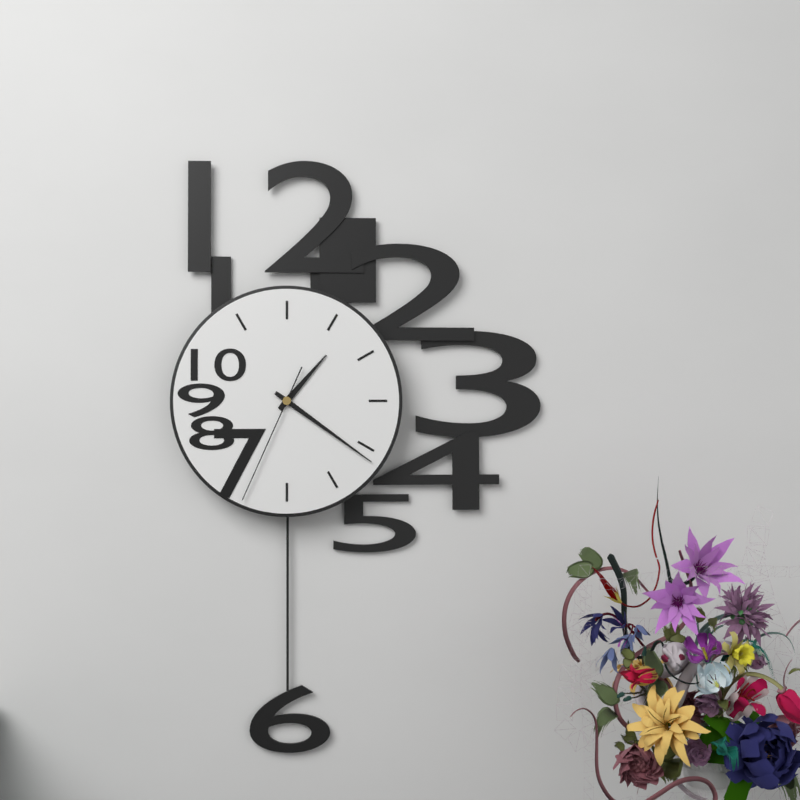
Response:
h=1 m=21 s=34
